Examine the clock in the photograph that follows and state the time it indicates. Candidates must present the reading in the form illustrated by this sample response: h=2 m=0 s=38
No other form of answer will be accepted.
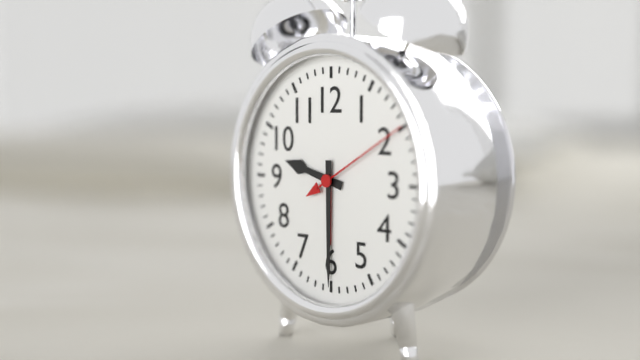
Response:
h=9 m=30 s=10
